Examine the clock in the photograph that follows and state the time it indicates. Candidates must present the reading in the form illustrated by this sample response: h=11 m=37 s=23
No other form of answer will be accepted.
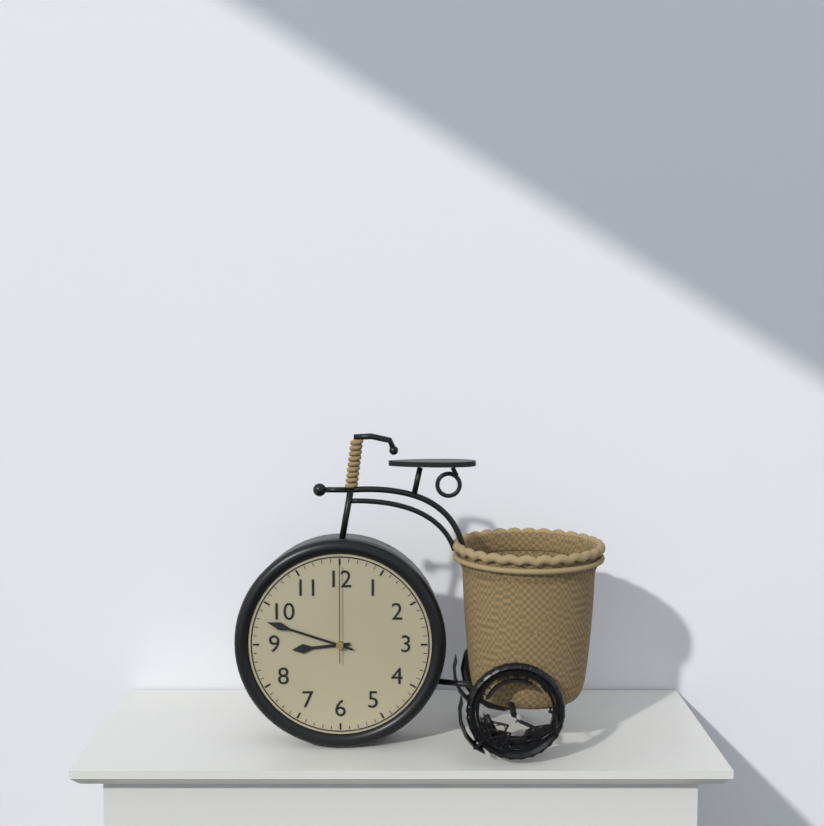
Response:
h=8 m=48 s=0
